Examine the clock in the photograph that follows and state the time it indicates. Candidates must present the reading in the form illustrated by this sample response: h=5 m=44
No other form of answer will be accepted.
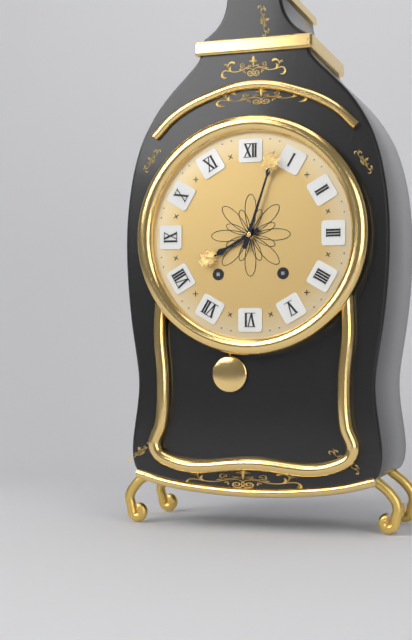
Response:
h=8 m=3
